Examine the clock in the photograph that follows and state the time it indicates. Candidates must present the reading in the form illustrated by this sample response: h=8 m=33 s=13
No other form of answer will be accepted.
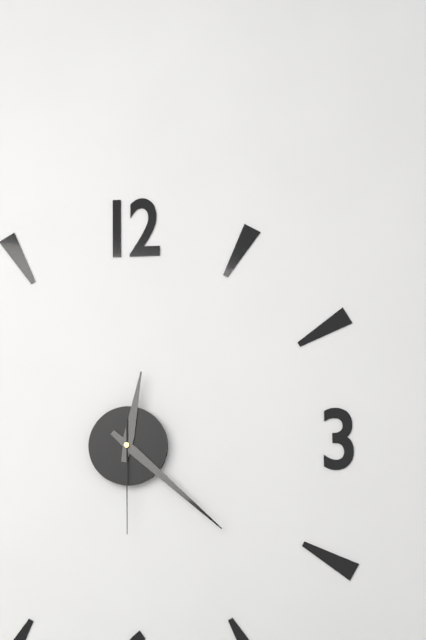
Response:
h=12 m=22 s=30
